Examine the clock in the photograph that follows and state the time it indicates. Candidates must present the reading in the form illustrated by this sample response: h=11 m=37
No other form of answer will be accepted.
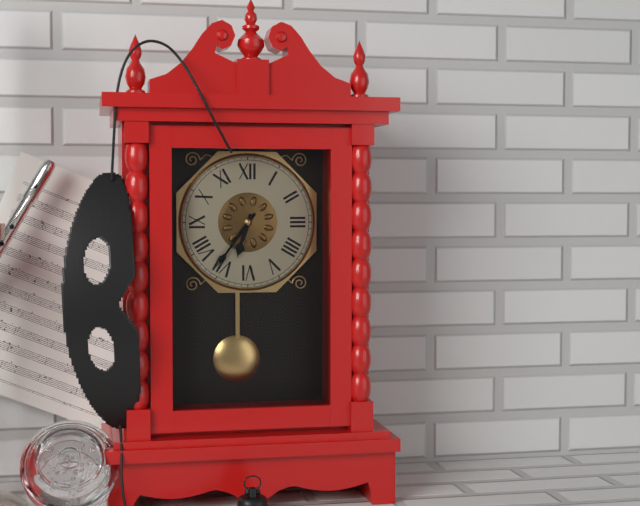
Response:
h=6 m=36
